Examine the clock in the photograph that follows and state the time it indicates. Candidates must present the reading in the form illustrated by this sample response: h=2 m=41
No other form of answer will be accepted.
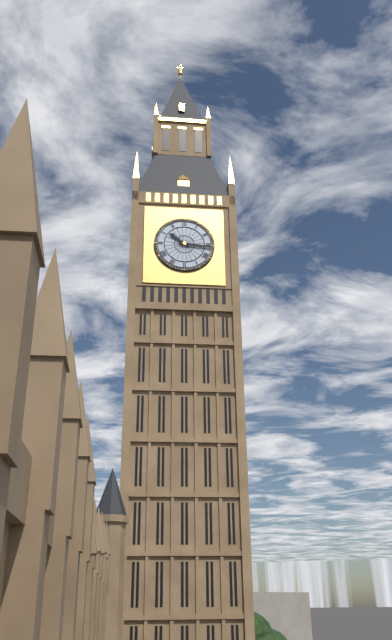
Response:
h=10 m=16
